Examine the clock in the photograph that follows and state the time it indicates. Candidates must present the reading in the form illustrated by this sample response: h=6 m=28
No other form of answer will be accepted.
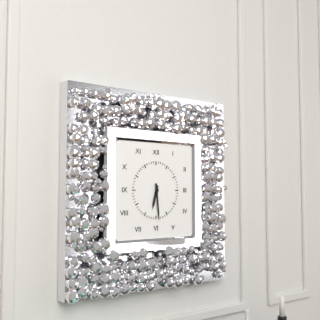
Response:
h=6 m=29
